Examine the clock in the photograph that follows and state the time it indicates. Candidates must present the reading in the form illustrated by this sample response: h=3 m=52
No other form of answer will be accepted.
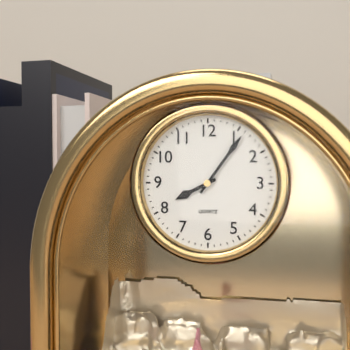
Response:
h=8 m=6
